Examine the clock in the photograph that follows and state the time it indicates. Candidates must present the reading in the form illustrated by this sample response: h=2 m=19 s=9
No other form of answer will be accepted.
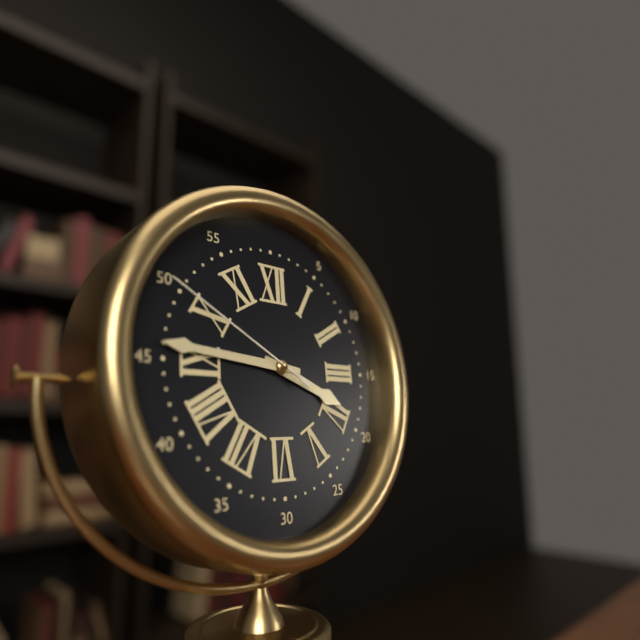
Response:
h=3 m=46 s=50
